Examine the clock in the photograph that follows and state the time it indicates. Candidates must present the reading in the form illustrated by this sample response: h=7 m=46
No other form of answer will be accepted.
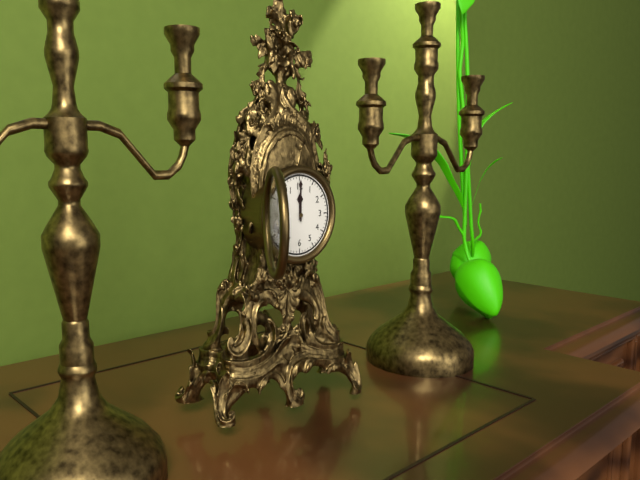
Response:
h=12 m=0
